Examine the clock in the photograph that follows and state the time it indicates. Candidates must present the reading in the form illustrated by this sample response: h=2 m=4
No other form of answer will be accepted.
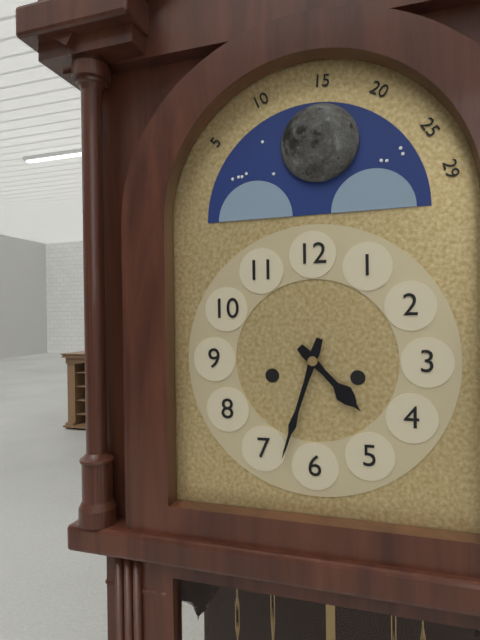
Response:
h=4 m=33
